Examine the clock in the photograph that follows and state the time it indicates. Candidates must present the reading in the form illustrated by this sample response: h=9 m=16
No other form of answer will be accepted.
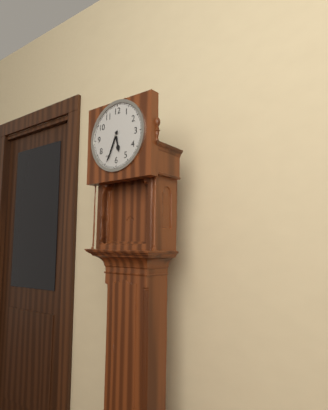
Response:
h=5 m=34
